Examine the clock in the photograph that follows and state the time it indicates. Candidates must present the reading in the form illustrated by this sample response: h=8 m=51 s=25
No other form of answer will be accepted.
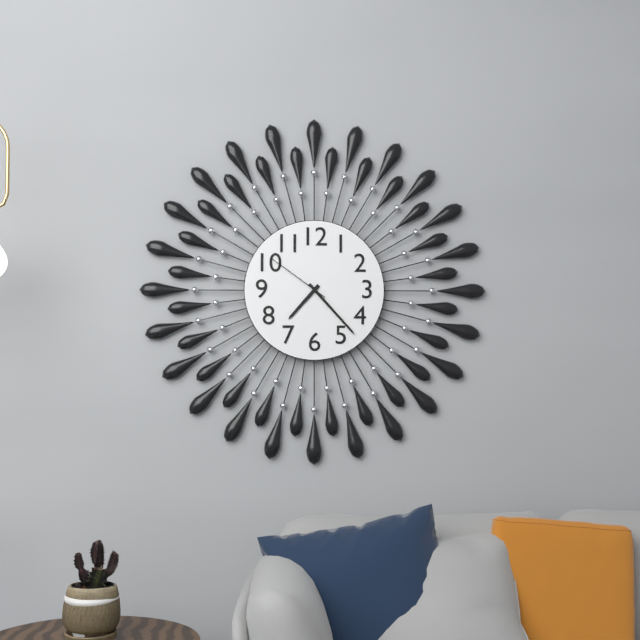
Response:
h=7 m=23 s=51
